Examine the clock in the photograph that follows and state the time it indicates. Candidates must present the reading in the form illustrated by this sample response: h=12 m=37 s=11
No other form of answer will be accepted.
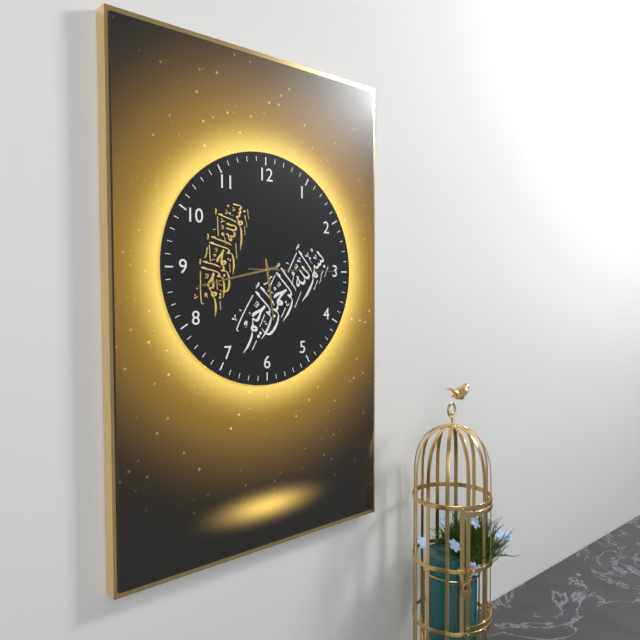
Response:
h=5 m=43 s=15
